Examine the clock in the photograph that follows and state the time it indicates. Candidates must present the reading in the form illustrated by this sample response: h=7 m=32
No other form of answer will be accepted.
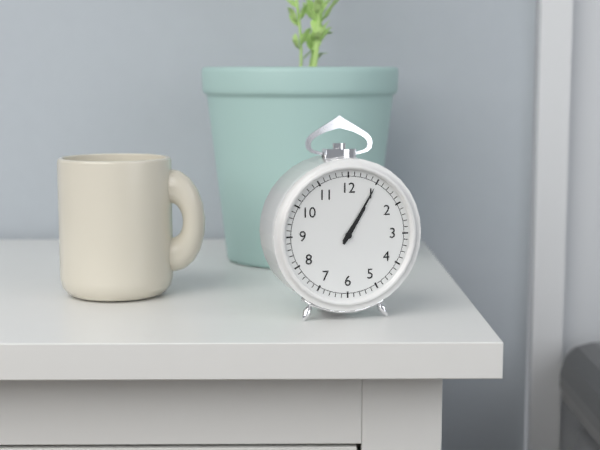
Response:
h=1 m=5
